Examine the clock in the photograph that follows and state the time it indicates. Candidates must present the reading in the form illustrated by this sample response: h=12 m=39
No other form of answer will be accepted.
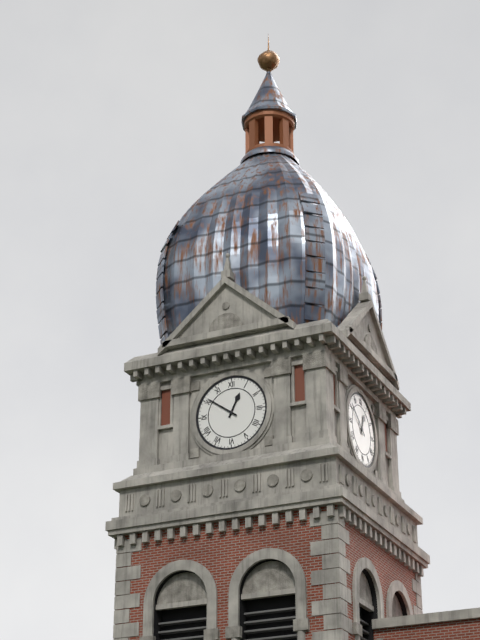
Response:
h=12 m=51
